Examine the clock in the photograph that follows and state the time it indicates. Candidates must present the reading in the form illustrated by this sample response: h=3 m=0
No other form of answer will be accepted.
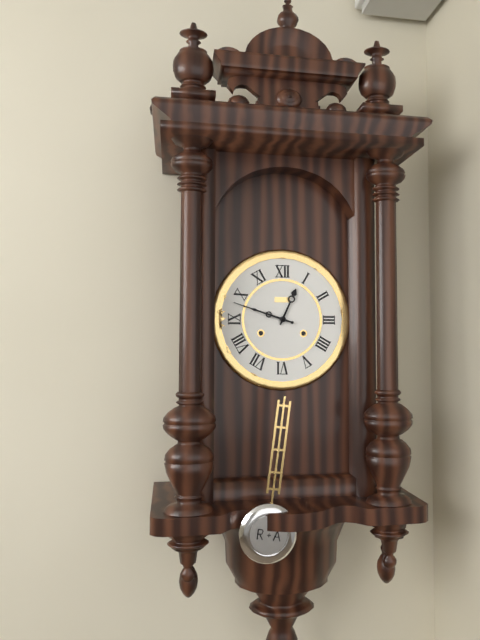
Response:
h=12 m=48
